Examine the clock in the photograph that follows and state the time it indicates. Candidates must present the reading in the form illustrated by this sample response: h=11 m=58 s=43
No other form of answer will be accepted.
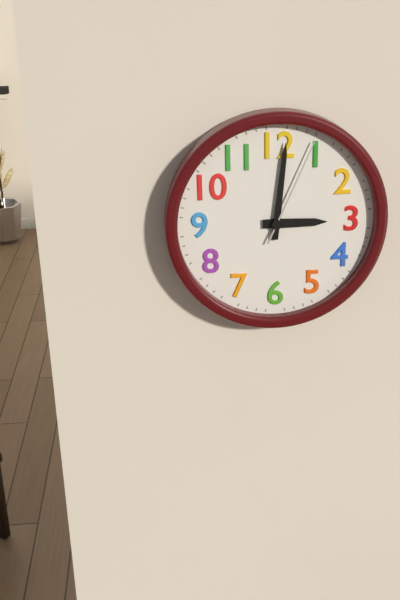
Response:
h=3 m=1 s=4
